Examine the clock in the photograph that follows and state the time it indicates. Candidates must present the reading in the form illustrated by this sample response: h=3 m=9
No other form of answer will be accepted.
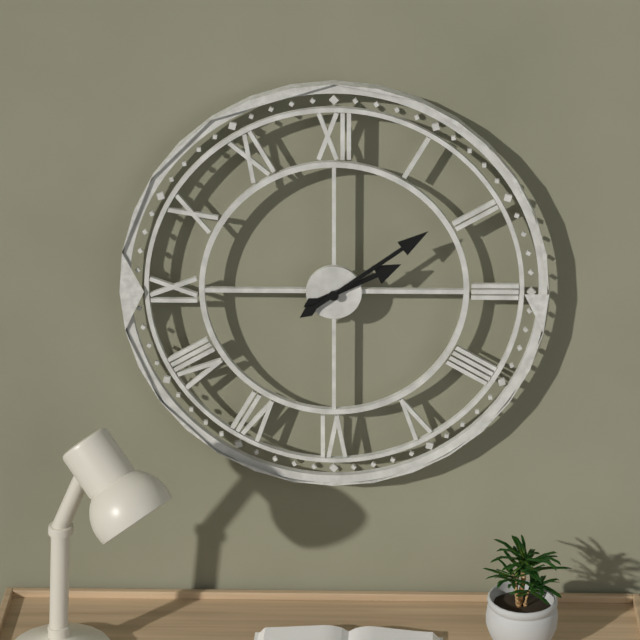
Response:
h=2 m=9
